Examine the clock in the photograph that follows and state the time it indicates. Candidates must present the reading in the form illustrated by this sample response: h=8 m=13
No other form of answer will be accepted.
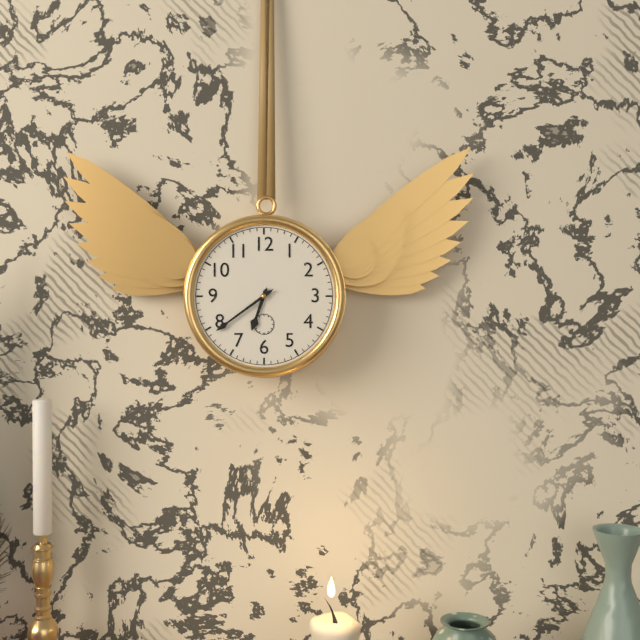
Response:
h=6 m=39
